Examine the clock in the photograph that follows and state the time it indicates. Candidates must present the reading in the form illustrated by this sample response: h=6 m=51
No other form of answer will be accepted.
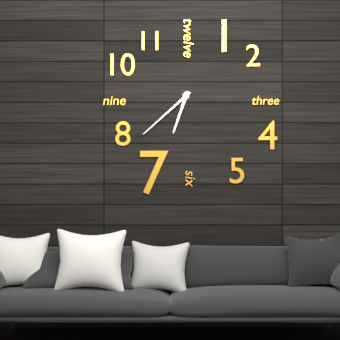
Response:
h=6 m=38
